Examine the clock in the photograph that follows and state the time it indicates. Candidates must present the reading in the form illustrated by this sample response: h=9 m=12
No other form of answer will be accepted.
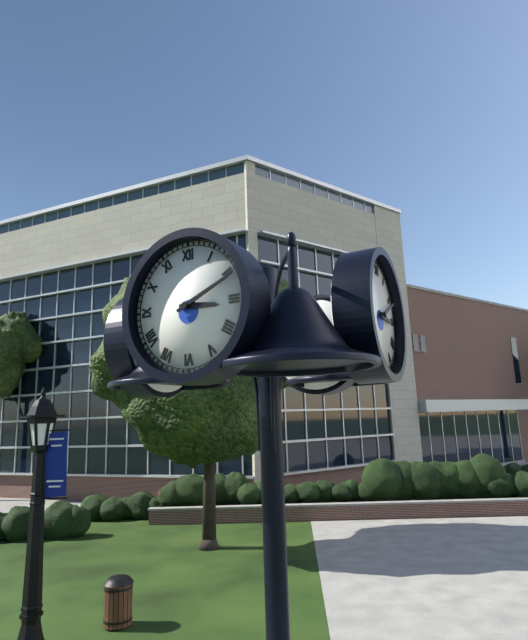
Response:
h=3 m=11
